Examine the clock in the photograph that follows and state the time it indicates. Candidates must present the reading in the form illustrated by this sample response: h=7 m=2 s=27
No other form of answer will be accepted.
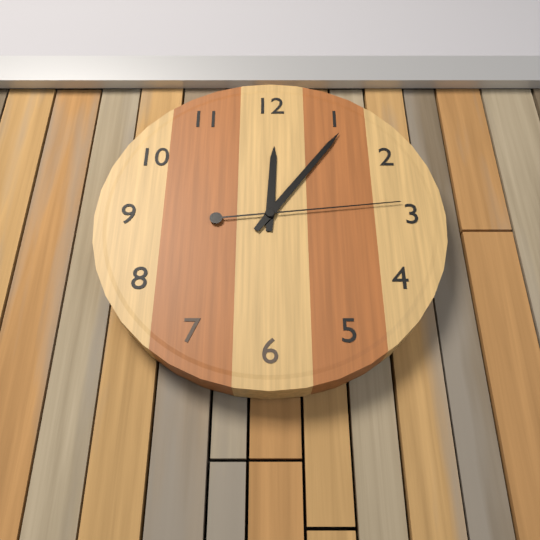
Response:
h=12 m=6 s=14
